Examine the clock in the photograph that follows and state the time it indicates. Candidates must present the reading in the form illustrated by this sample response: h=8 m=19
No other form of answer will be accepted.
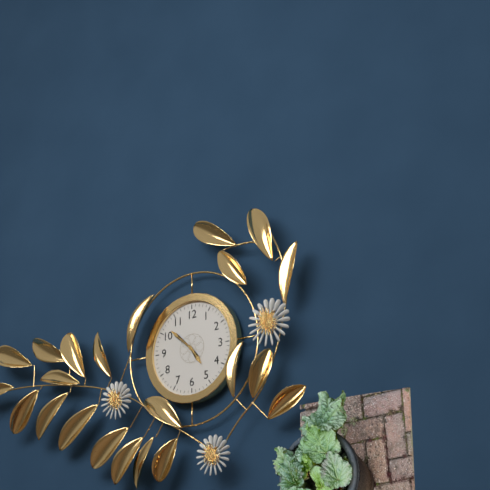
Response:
h=4 m=52
